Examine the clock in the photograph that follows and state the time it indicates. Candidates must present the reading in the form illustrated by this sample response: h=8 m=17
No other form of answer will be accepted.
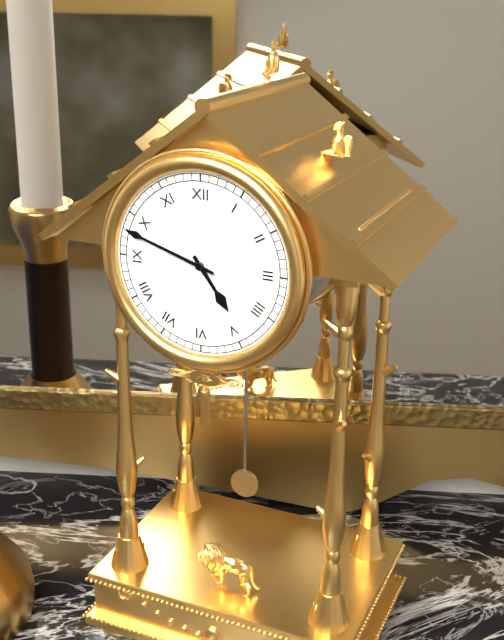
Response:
h=4 m=48
